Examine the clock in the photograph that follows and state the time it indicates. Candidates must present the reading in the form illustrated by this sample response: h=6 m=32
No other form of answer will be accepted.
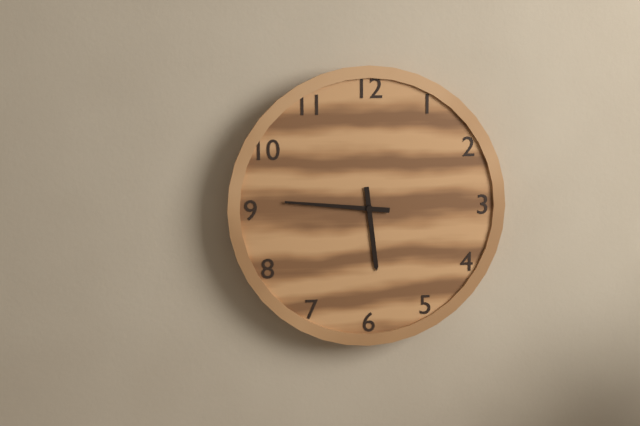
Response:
h=5 m=46
